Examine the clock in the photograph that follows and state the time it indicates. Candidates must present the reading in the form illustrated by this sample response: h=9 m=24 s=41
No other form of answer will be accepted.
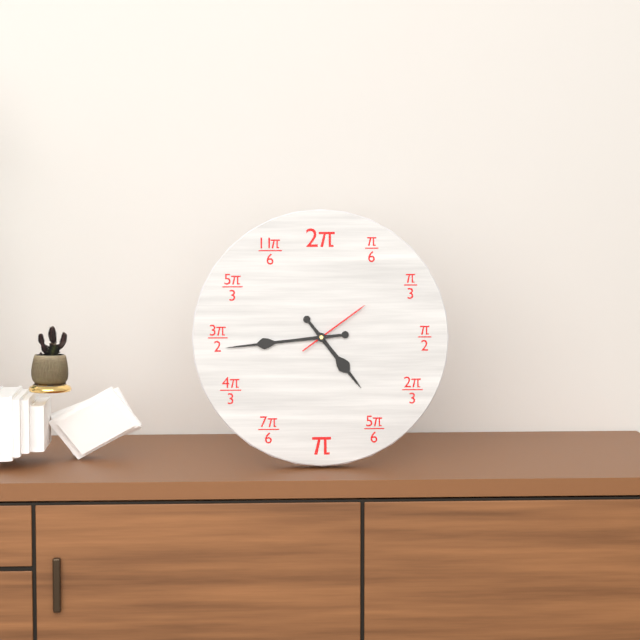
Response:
h=4 m=44 s=9
